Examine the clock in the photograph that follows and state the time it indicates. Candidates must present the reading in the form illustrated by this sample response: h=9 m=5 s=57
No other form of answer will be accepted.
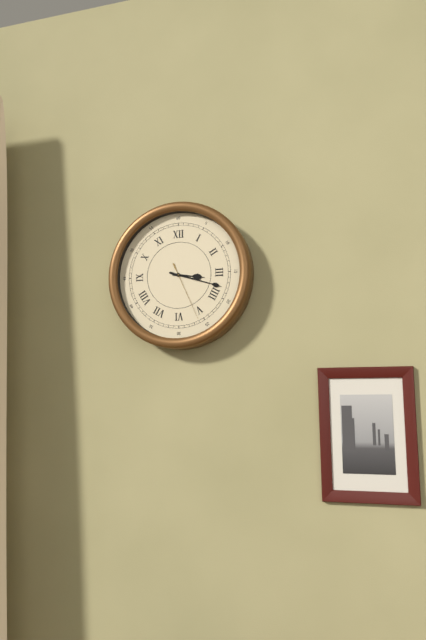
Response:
h=3 m=18 s=26
